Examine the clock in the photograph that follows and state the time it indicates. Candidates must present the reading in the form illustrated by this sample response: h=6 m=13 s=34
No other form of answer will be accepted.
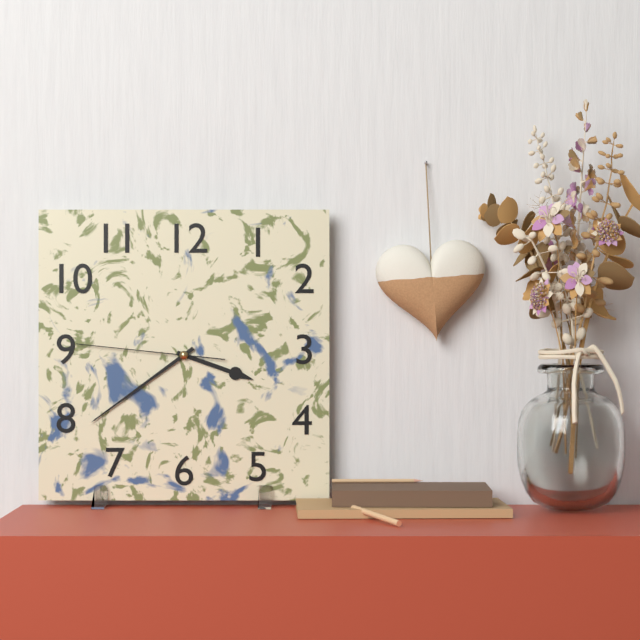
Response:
h=3 m=39 s=46
